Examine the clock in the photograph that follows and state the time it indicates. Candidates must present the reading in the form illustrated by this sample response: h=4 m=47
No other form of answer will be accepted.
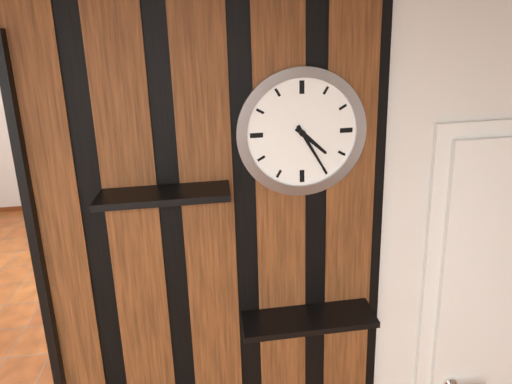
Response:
h=4 m=25
